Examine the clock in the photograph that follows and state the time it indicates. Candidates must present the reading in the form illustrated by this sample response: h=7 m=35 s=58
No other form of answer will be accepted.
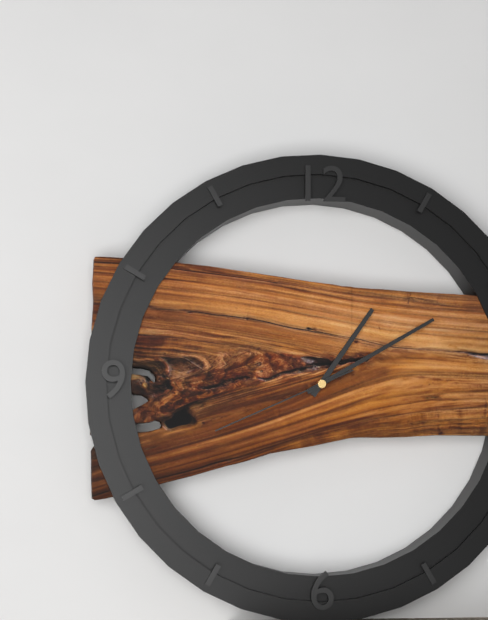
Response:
h=1 m=10 s=41
